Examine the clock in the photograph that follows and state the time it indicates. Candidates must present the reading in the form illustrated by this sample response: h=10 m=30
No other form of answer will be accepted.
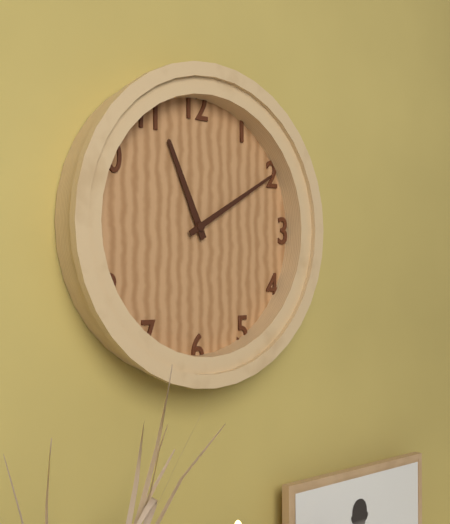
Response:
h=11 m=10
